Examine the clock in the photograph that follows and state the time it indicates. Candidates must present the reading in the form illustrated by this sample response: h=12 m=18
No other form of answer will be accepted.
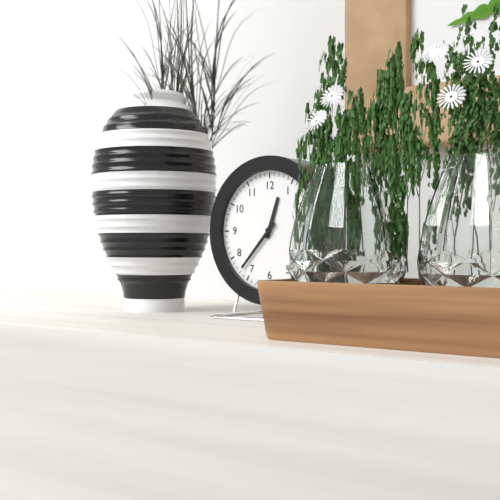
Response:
h=12 m=37
